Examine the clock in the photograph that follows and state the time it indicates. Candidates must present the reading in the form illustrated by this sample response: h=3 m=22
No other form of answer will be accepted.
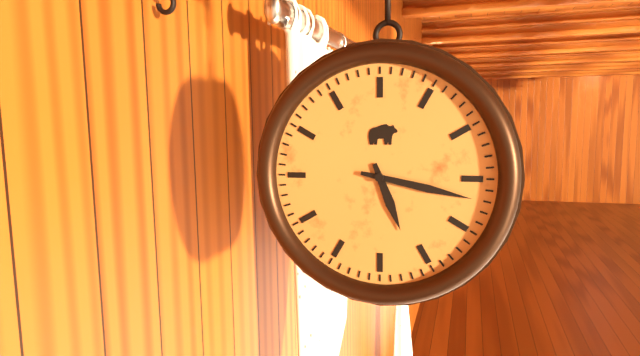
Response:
h=5 m=17
